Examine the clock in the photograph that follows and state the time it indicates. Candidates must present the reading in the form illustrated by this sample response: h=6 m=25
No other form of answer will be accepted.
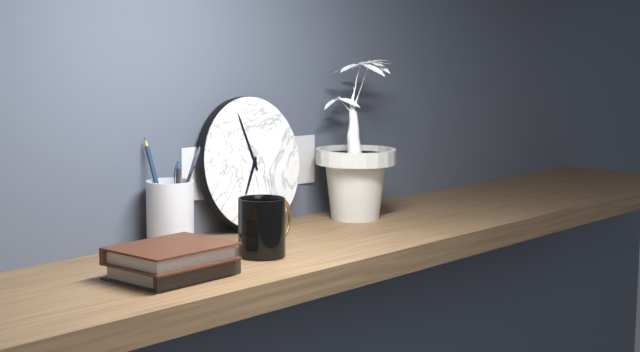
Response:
h=6 m=57
